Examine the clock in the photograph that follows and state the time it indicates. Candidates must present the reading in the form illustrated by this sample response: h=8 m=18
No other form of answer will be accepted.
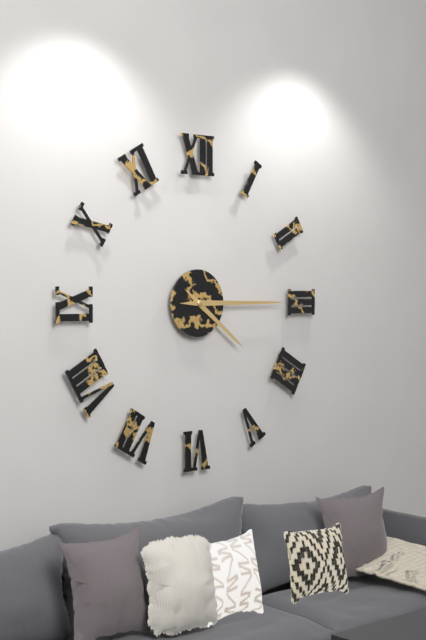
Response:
h=4 m=15
